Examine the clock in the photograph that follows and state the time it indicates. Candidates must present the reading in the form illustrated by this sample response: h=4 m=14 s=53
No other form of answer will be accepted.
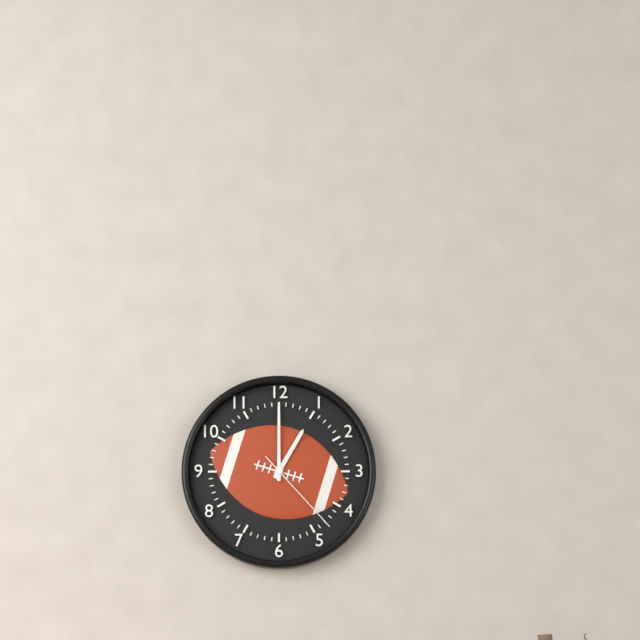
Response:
h=1 m=0 s=23
